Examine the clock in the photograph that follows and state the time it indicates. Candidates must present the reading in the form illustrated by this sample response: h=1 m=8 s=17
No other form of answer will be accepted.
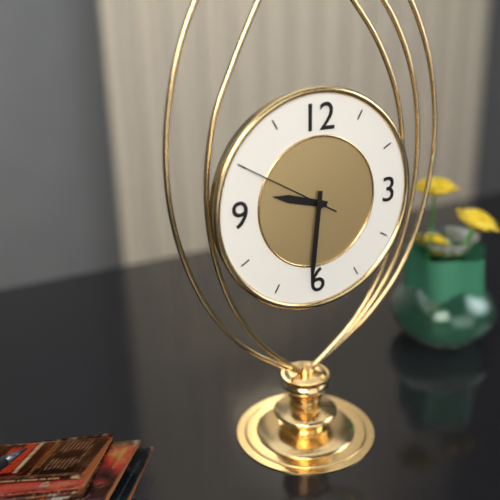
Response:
h=9 m=31 s=50
